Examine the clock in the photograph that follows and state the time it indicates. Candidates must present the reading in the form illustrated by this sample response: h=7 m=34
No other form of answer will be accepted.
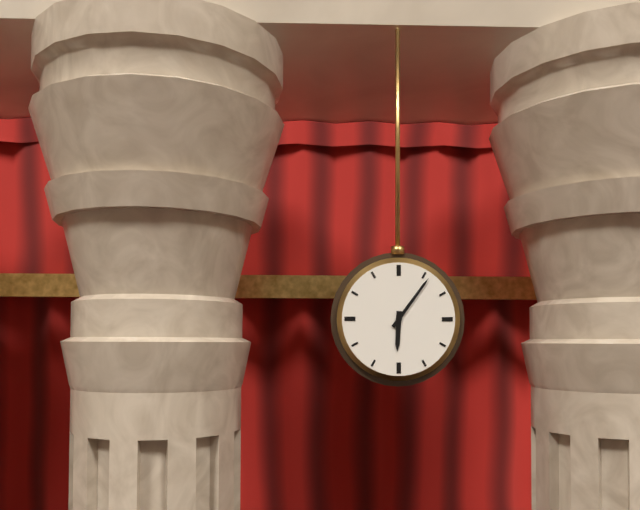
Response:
h=6 m=6
